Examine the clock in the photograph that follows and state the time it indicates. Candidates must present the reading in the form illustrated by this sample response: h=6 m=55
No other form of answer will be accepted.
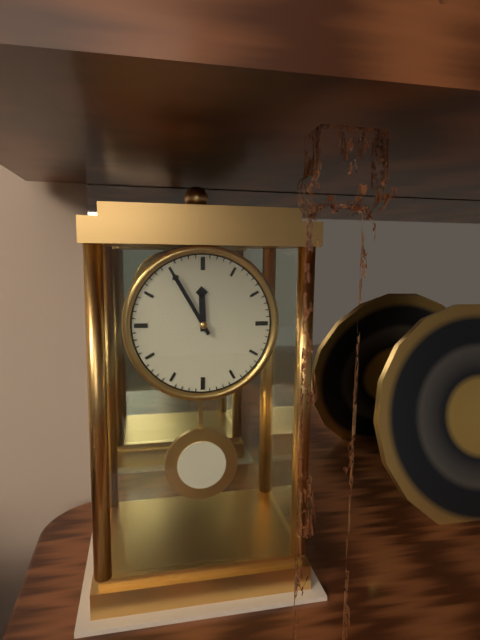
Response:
h=11 m=55
